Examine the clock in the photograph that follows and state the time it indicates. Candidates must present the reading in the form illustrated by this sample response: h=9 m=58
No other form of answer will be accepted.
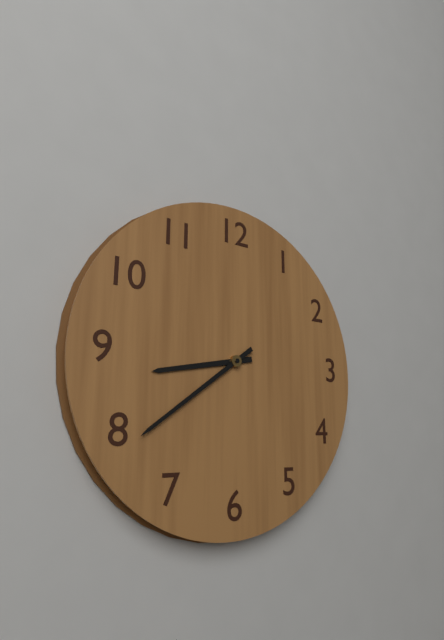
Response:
h=8 m=39
